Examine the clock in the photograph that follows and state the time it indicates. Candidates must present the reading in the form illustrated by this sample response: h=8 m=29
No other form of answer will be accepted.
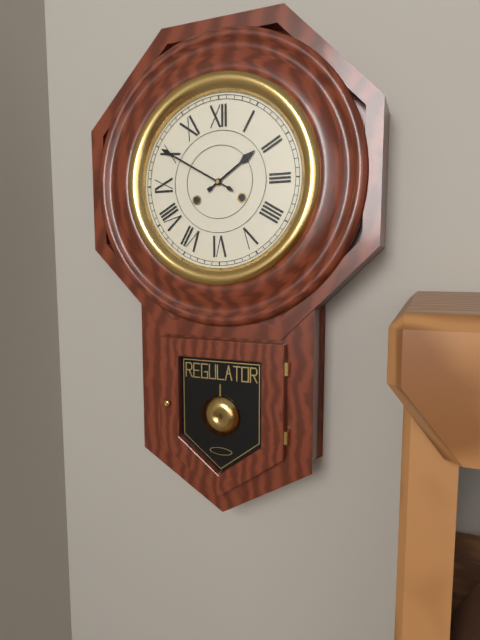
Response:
h=1 m=50
